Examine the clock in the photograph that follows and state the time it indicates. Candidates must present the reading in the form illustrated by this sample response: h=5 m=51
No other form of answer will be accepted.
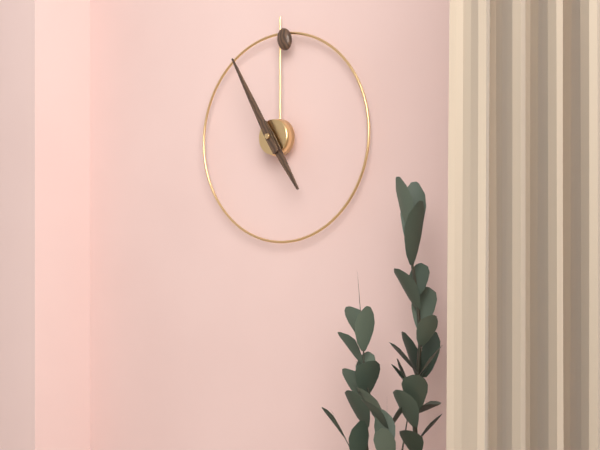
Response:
h=4 m=55
